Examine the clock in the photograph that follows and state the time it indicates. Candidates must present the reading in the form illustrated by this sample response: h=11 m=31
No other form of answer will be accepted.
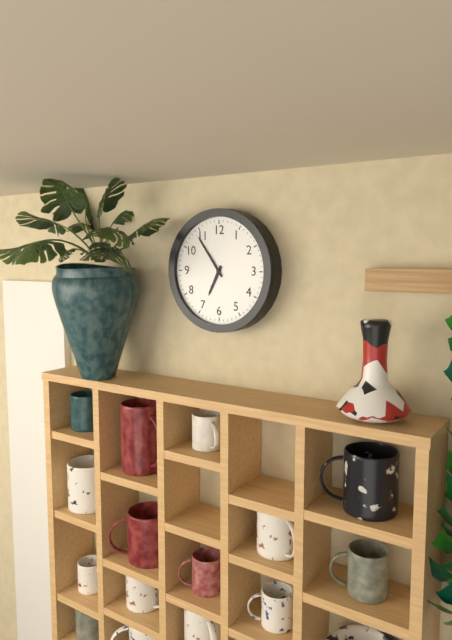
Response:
h=6 m=54
